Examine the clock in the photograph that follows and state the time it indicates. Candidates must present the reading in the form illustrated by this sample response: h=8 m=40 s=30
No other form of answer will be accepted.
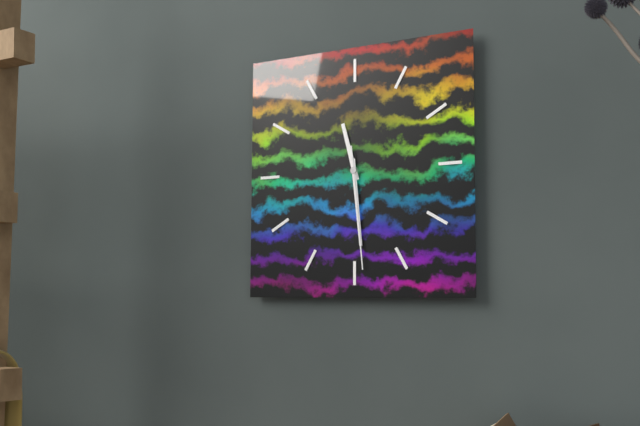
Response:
h=11 m=29 s=29
